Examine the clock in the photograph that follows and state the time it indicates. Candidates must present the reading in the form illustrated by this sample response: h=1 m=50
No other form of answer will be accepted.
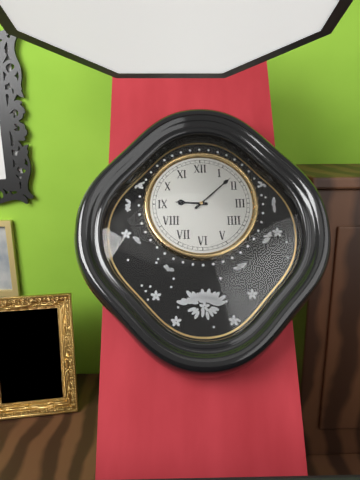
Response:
h=9 m=8
